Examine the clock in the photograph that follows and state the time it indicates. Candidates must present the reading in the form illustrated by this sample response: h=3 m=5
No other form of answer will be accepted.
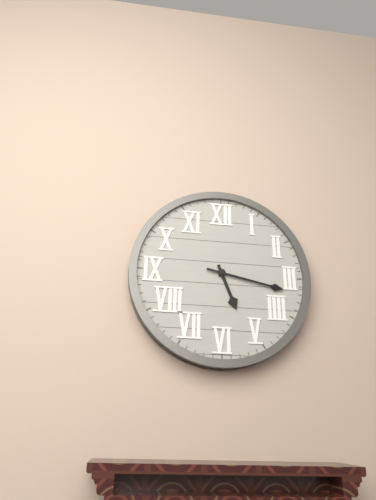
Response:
h=5 m=17
